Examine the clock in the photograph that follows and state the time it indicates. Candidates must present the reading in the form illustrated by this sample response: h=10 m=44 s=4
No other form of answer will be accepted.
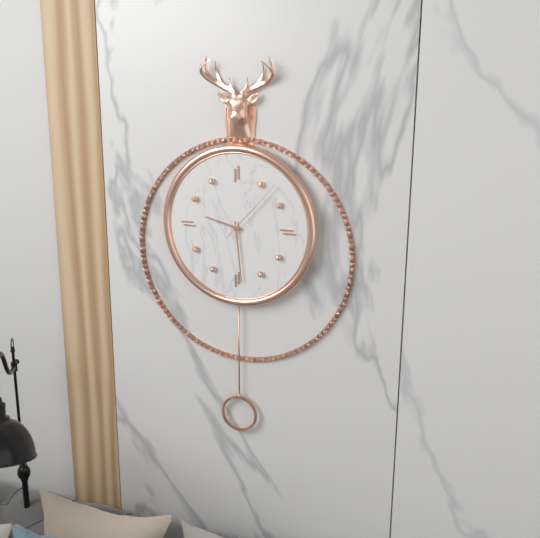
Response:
h=9 m=29 s=7
